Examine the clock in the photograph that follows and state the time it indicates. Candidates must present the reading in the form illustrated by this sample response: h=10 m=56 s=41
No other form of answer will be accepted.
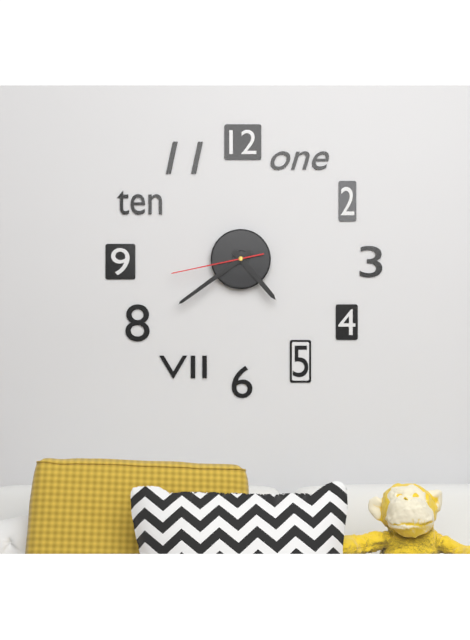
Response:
h=4 m=39 s=43
